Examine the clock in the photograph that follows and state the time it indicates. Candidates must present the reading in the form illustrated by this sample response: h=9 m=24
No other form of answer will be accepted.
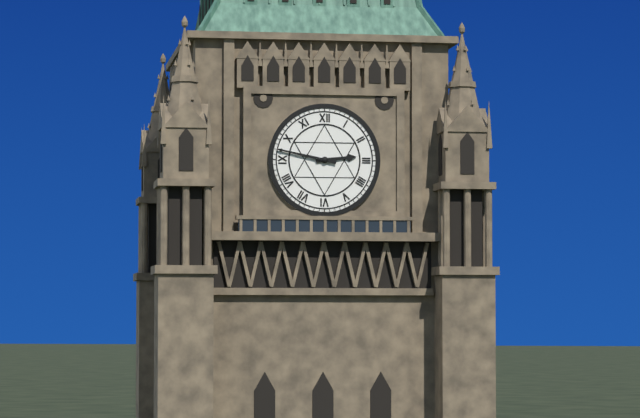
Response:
h=2 m=47
